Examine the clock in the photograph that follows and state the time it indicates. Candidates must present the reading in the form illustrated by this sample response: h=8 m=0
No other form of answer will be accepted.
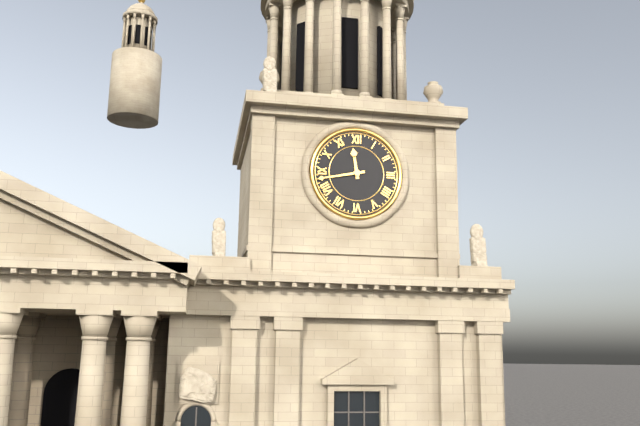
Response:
h=11 m=43
